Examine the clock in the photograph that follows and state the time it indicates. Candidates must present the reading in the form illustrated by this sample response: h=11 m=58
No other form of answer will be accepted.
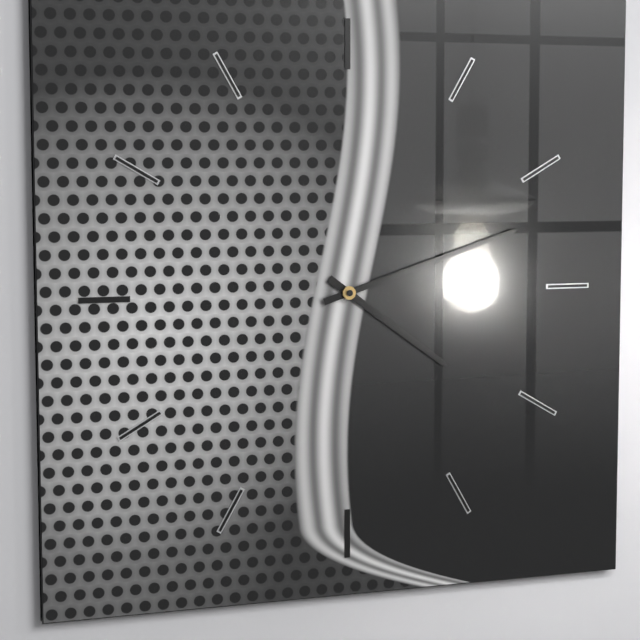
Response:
h=4 m=12
